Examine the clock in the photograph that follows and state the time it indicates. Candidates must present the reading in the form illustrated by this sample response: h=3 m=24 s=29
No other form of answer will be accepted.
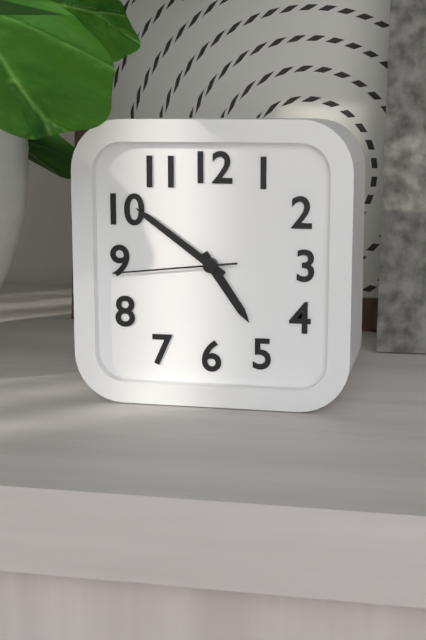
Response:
h=4 m=51 s=44
